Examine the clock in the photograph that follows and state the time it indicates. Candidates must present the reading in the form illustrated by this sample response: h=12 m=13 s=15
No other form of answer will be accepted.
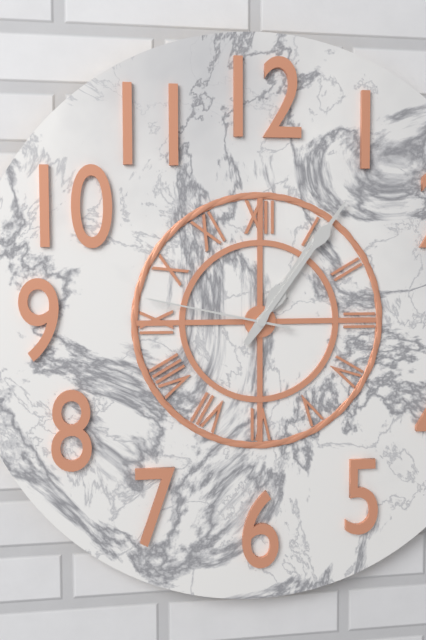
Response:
h=1 m=6 s=47
